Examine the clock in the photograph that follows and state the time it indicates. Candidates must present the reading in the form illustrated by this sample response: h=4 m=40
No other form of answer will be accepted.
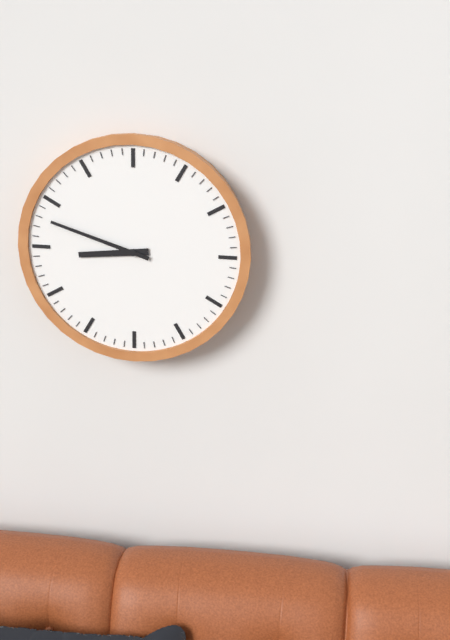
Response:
h=8 m=48
